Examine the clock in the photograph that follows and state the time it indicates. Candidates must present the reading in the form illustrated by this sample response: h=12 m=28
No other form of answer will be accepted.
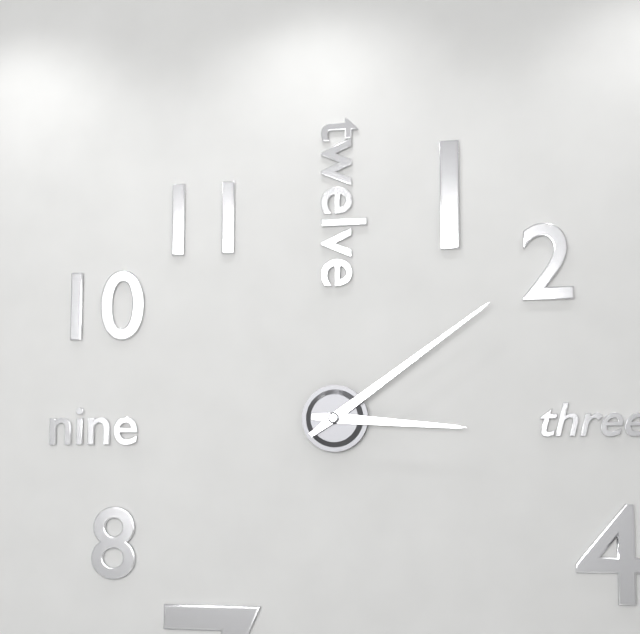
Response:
h=3 m=9
